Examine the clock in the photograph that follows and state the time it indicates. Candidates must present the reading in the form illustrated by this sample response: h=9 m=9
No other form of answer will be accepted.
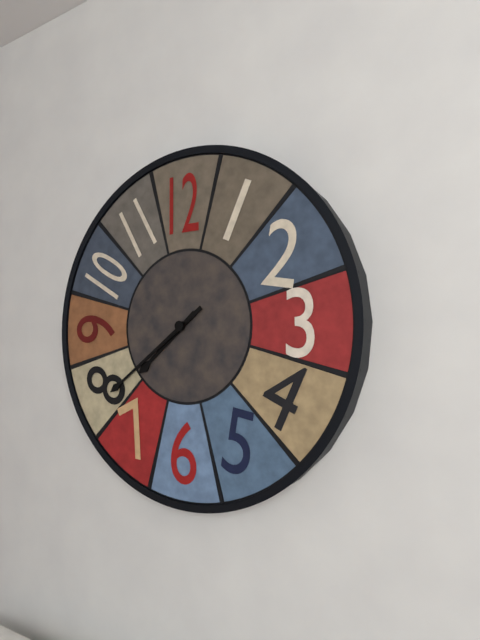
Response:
h=7 m=39
